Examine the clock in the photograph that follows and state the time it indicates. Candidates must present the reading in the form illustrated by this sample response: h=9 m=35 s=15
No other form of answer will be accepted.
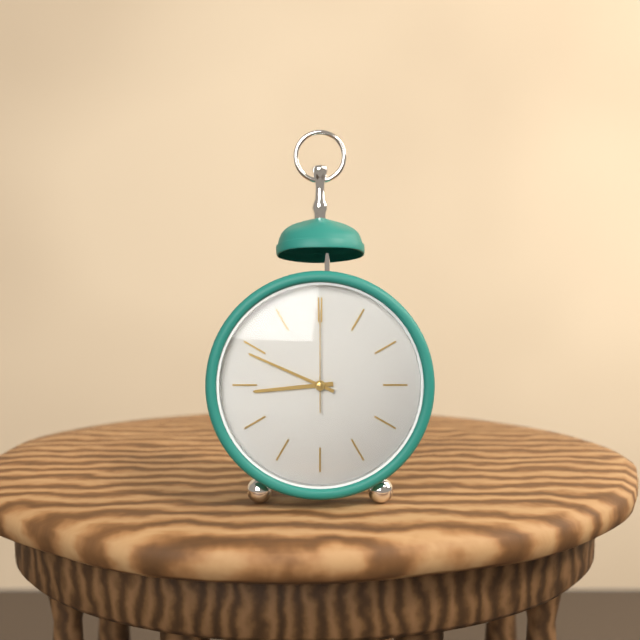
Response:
h=8 m=49 s=0
